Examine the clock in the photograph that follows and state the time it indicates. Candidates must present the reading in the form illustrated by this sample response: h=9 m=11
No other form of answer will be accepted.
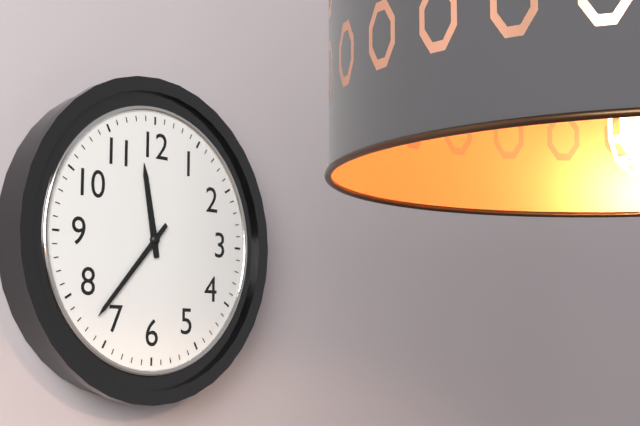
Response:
h=11 m=37
